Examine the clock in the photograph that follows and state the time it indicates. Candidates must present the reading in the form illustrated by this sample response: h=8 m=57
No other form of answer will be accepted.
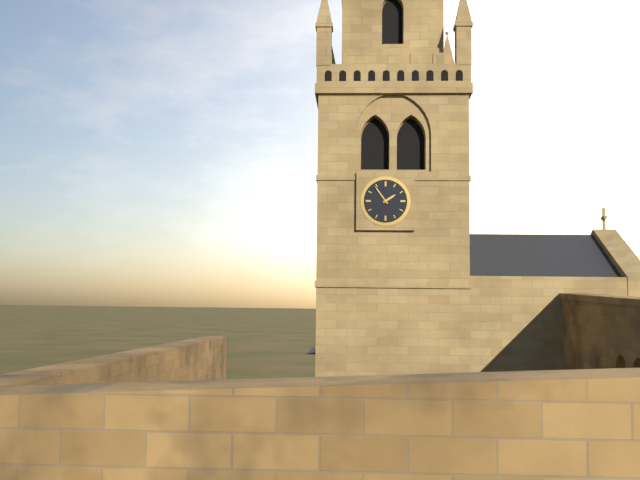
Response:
h=1 m=54
